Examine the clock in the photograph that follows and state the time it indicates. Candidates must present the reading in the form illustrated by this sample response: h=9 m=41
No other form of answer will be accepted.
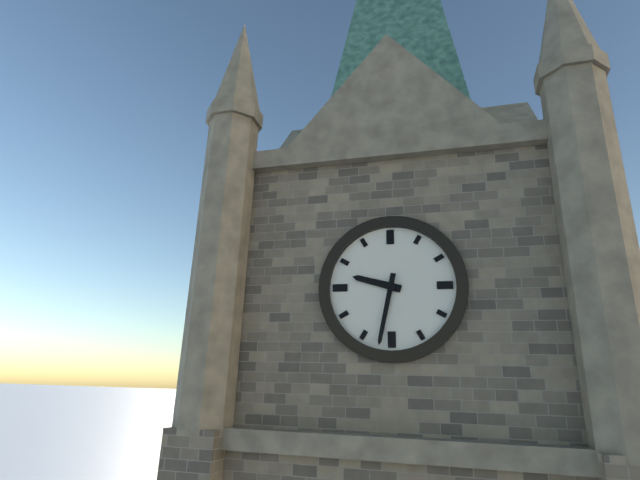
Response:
h=9 m=32
